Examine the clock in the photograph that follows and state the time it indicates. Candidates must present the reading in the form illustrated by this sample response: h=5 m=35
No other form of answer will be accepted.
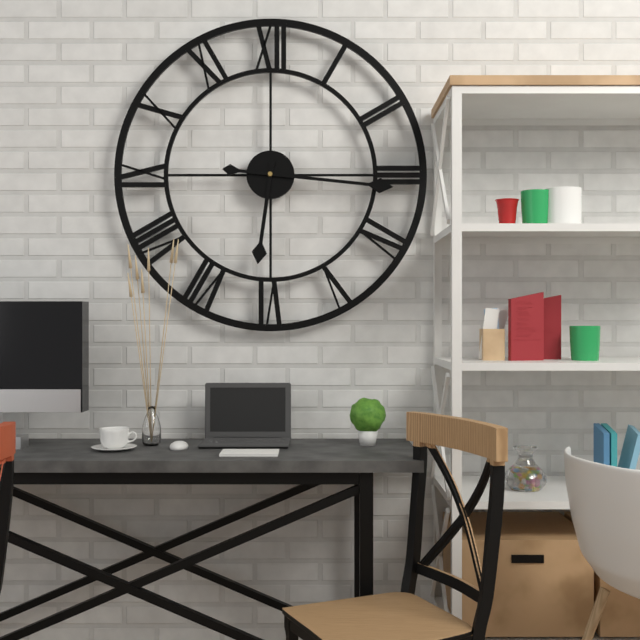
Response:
h=6 m=16
